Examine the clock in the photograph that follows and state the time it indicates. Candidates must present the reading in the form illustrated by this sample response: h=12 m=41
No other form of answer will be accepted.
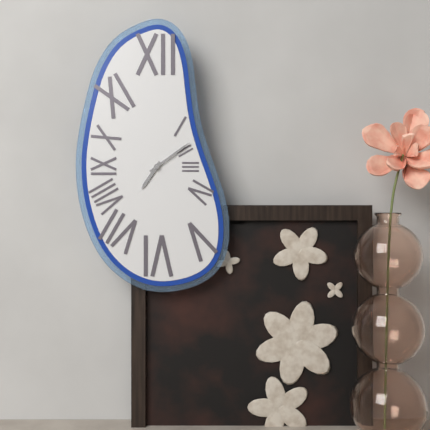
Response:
h=7 m=9
